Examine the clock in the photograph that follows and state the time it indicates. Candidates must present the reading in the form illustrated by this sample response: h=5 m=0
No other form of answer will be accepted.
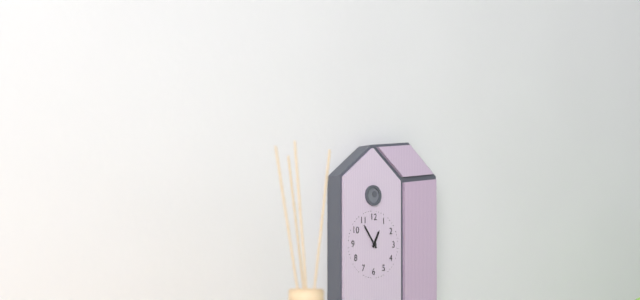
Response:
h=12 m=54
